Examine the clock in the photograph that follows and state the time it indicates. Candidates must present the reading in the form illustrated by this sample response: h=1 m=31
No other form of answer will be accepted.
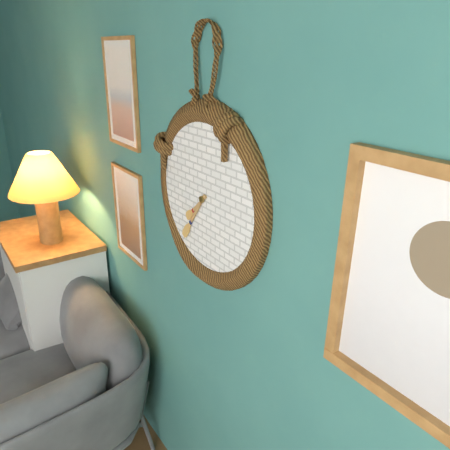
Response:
h=7 m=36
